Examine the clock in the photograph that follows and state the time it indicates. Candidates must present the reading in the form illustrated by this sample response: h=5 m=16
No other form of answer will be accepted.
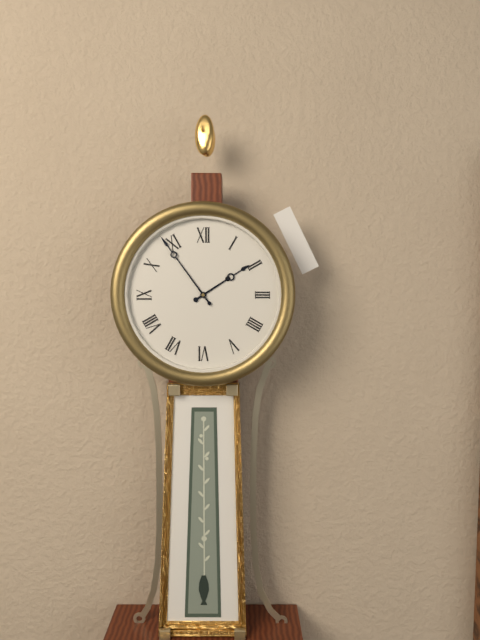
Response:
h=1 m=54
